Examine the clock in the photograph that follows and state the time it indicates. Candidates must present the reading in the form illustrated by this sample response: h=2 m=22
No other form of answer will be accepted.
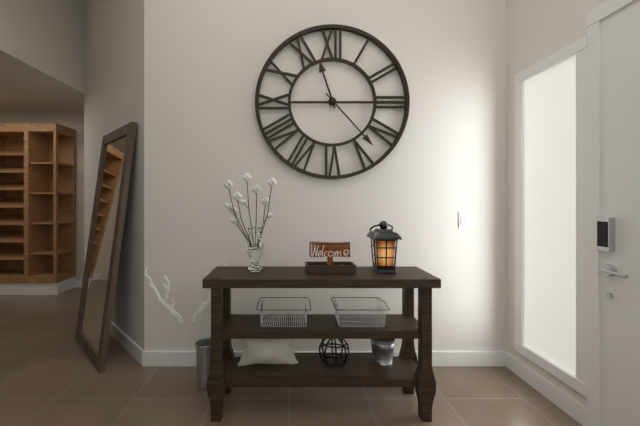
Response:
h=11 m=23
